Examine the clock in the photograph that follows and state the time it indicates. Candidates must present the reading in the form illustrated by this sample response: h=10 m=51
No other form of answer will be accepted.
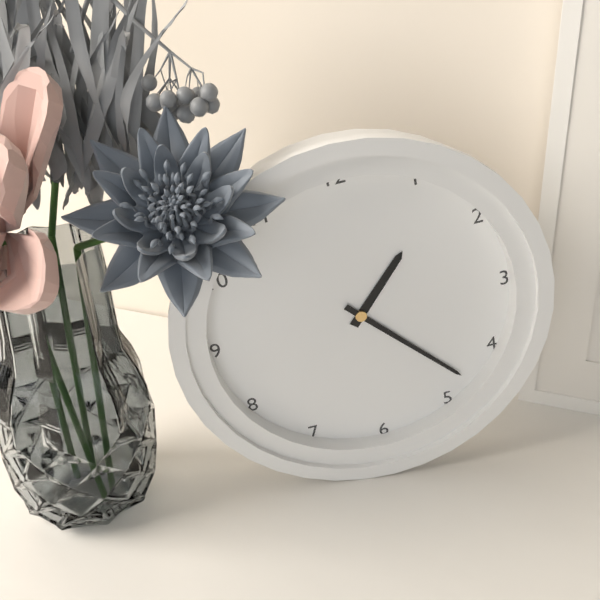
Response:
h=1 m=23
